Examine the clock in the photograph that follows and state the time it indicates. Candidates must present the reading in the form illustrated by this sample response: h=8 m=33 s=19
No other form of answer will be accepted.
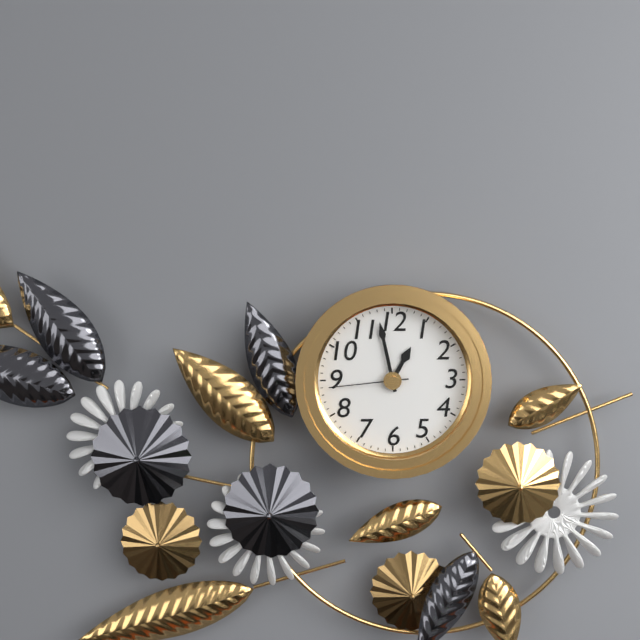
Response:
h=12 m=58 s=44
